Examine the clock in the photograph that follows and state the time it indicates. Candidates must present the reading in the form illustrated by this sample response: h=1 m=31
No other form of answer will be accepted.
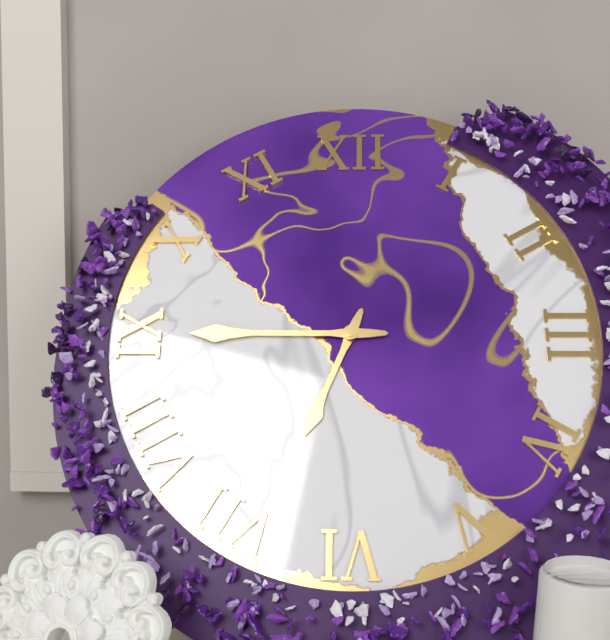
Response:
h=6 m=45
